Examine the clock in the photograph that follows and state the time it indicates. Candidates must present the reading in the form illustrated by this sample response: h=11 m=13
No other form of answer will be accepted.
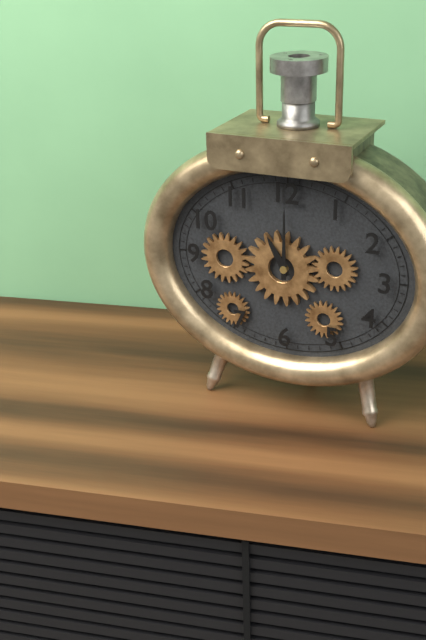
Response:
h=11 m=0
